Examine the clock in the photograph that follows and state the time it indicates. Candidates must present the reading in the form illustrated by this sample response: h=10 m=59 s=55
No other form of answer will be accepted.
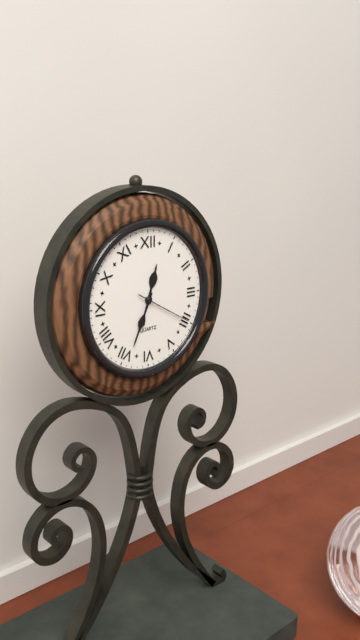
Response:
h=12 m=34 s=20
